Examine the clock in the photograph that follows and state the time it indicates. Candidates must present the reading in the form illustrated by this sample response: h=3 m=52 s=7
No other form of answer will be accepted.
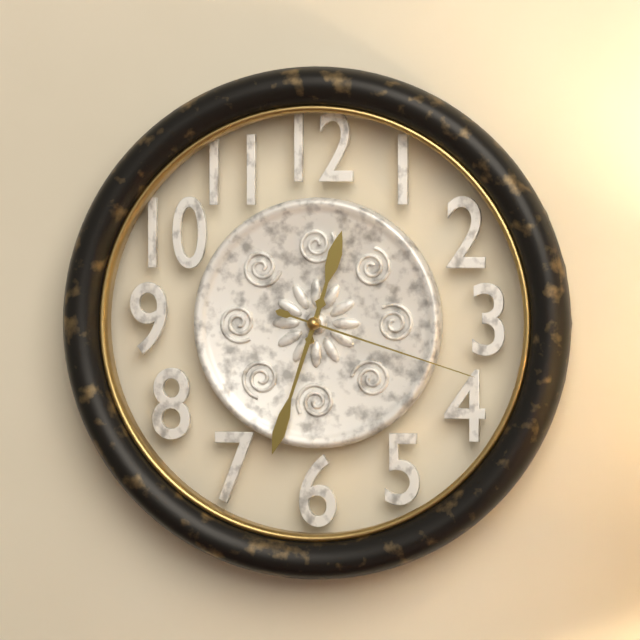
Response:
h=12 m=33 s=18
